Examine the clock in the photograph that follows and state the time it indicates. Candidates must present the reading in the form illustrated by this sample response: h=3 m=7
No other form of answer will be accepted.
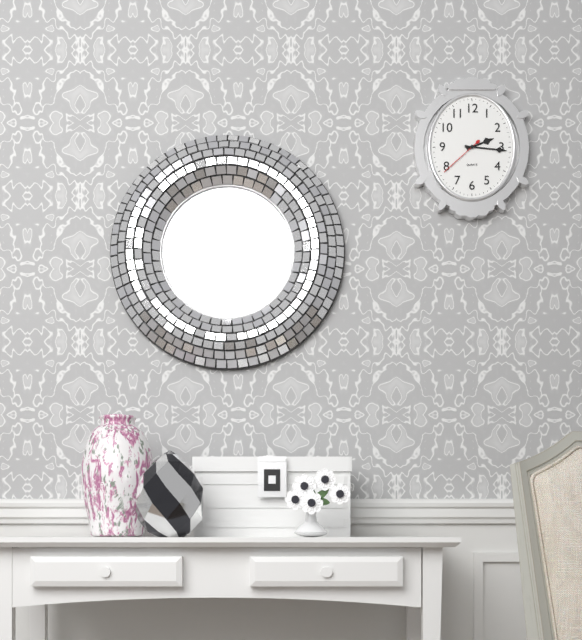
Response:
h=2 m=16
